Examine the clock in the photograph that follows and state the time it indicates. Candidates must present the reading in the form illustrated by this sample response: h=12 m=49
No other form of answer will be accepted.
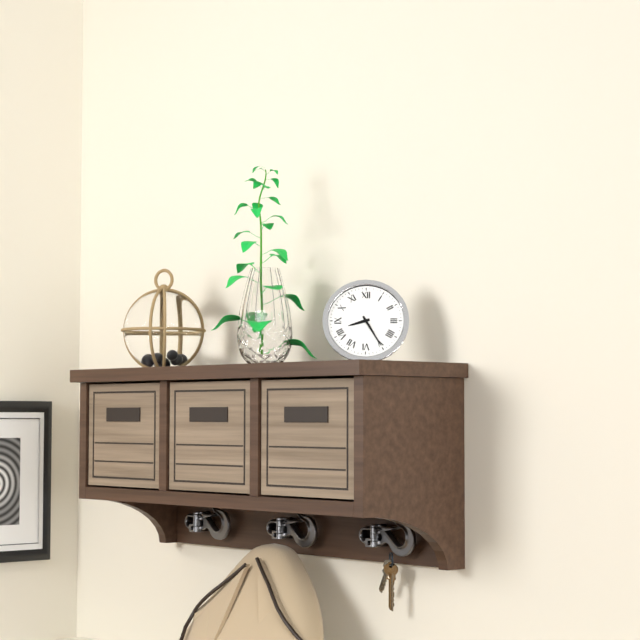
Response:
h=8 m=25
